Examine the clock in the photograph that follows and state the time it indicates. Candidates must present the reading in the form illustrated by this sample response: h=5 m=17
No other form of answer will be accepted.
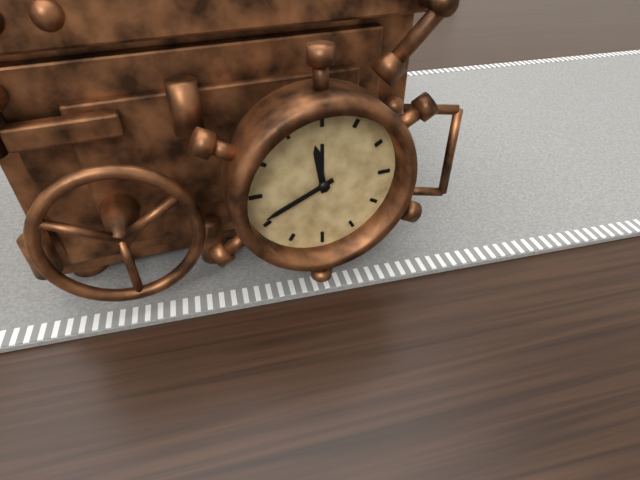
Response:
h=11 m=41
